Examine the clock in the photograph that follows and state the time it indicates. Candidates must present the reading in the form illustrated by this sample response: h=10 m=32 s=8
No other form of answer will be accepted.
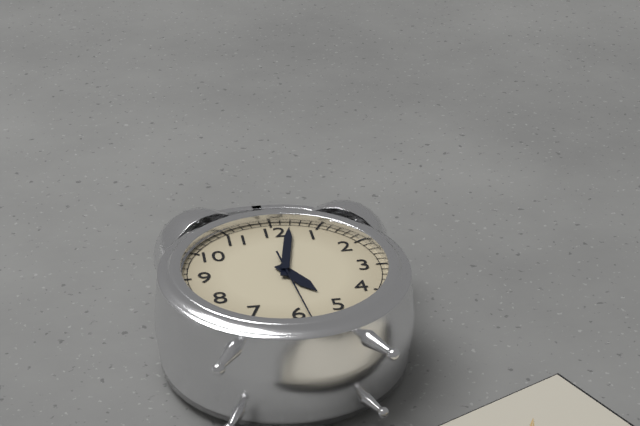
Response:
h=5 m=2 s=29
